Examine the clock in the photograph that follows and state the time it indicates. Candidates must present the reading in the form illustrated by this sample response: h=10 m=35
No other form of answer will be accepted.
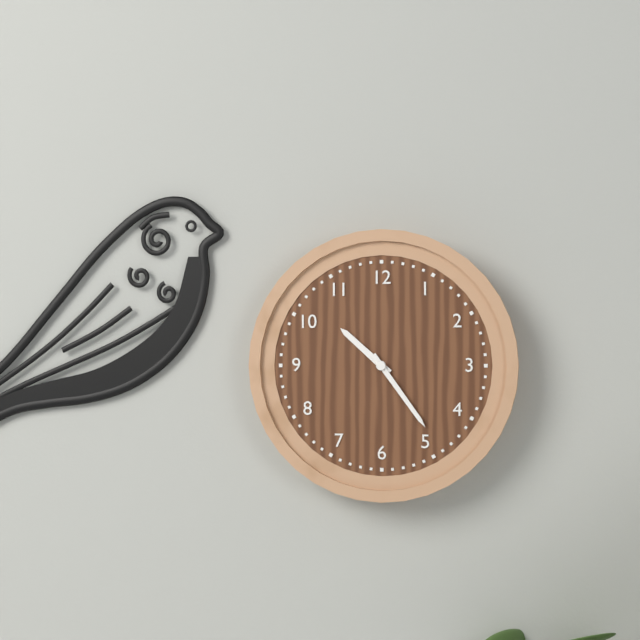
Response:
h=10 m=24
